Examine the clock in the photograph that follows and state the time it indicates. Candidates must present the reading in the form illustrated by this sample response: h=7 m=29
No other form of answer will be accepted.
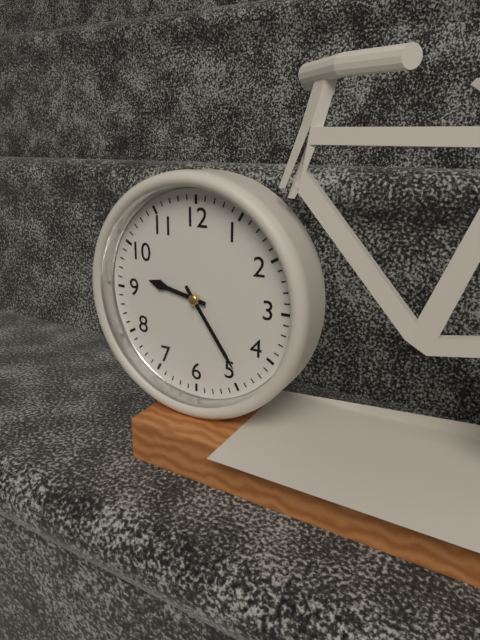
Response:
h=9 m=24
